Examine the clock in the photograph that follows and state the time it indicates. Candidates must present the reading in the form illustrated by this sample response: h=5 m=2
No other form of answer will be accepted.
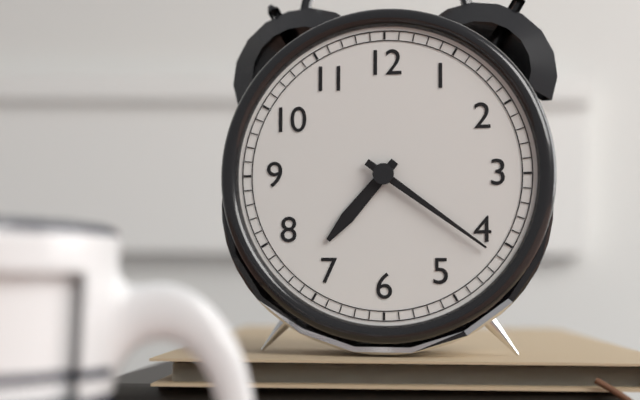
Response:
h=7 m=21
